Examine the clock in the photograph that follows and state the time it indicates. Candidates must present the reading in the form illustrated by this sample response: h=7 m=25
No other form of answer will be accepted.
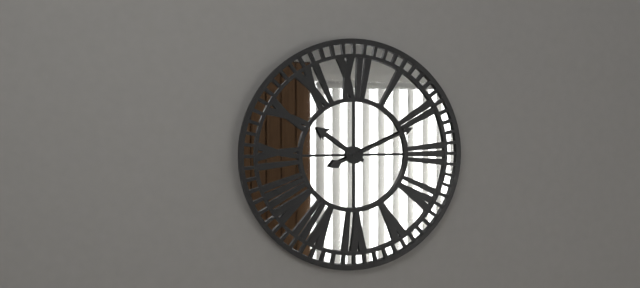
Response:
h=10 m=11
